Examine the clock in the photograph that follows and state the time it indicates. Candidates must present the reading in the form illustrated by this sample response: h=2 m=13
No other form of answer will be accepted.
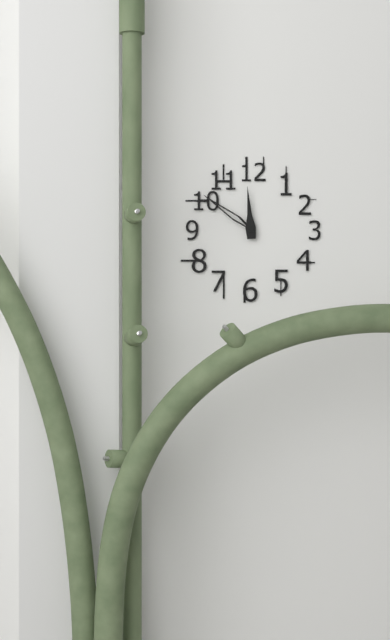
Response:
h=11 m=51
